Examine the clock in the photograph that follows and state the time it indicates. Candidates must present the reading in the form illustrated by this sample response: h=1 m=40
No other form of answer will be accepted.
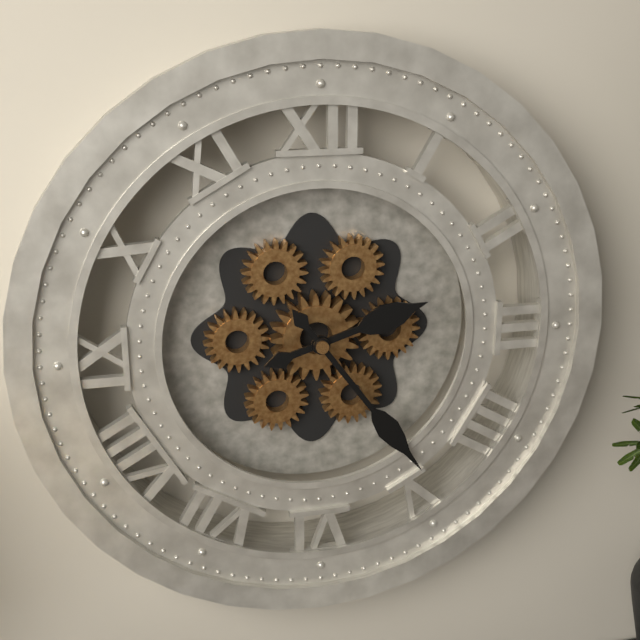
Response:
h=2 m=24
